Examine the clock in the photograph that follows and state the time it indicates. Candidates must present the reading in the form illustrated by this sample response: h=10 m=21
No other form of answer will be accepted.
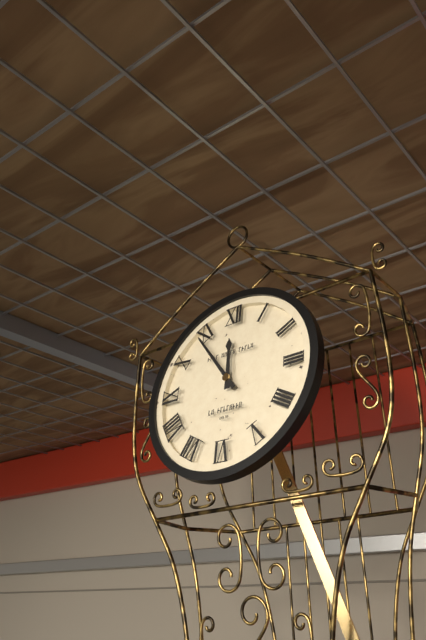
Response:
h=11 m=54
